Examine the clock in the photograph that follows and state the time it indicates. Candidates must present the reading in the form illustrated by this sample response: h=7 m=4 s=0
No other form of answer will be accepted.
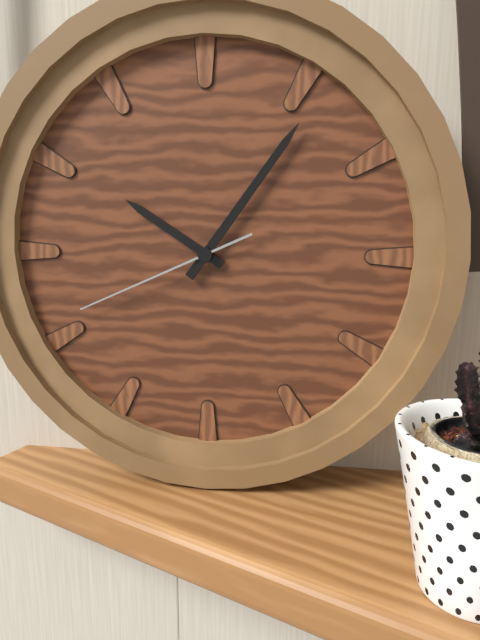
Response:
h=10 m=6 s=41
